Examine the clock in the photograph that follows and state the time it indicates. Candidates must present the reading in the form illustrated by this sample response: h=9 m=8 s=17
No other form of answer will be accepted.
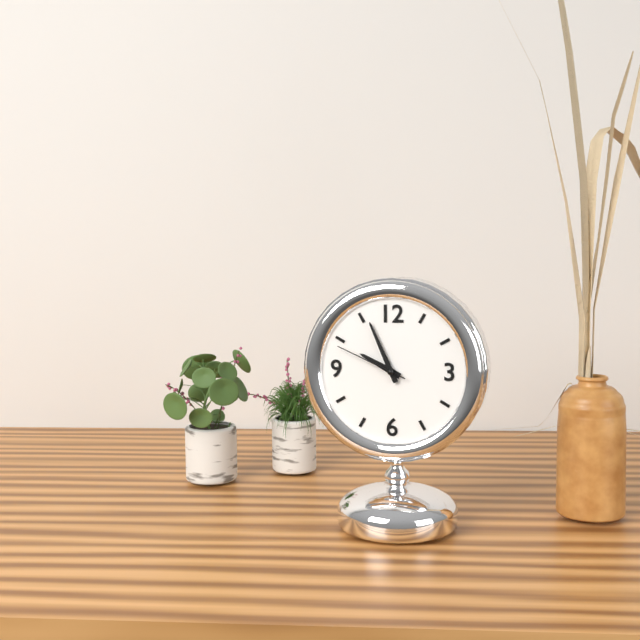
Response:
h=9 m=56 s=49
